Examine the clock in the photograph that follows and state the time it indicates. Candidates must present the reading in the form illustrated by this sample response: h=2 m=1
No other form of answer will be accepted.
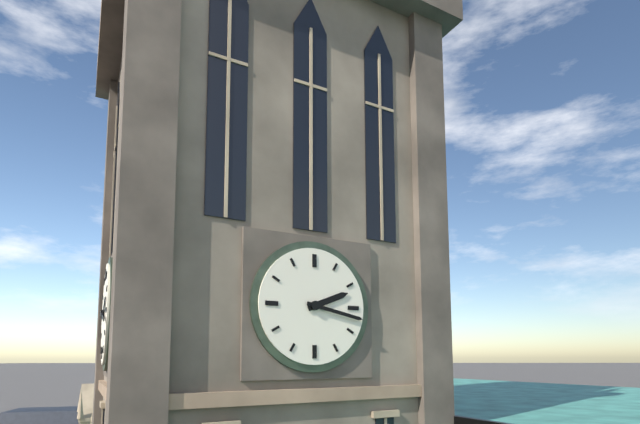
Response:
h=2 m=17
